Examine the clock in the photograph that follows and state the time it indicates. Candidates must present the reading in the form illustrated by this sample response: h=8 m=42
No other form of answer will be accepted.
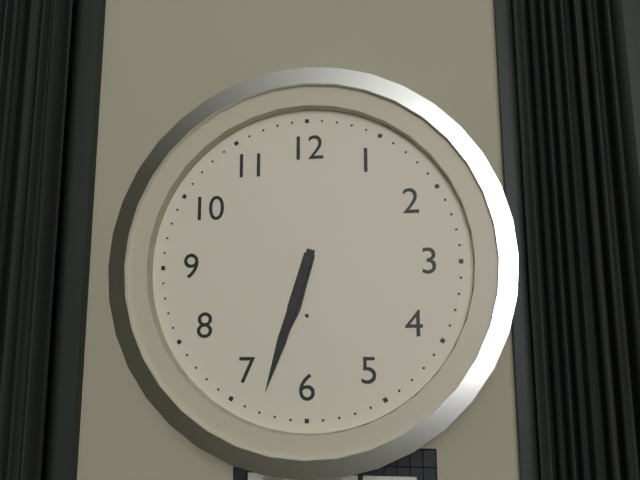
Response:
h=6 m=33
